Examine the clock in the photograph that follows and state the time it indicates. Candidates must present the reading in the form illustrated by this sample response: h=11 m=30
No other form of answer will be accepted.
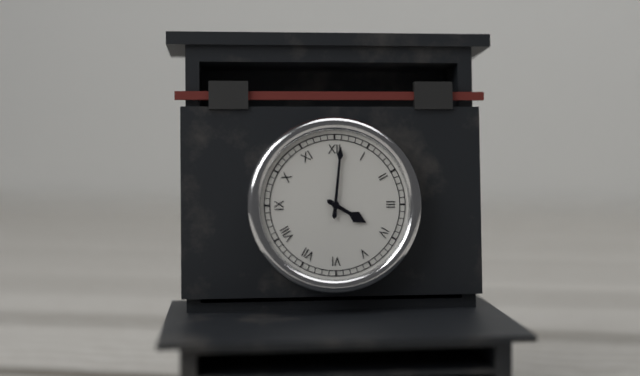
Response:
h=4 m=1
